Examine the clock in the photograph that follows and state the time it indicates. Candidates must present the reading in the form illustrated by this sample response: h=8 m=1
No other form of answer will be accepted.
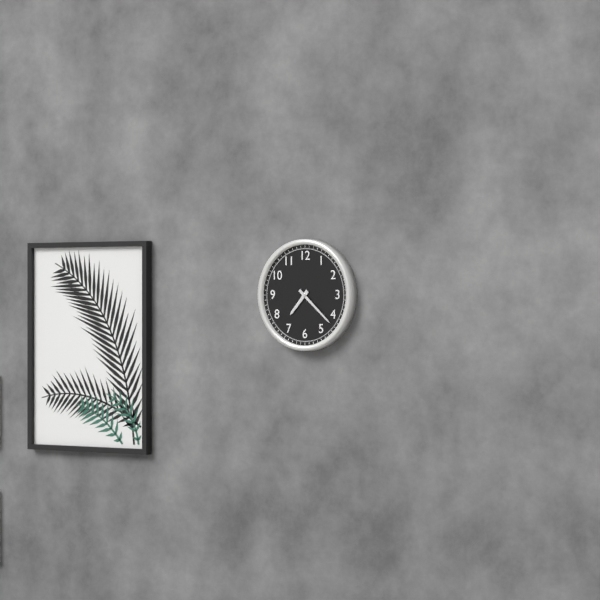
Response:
h=7 m=22
